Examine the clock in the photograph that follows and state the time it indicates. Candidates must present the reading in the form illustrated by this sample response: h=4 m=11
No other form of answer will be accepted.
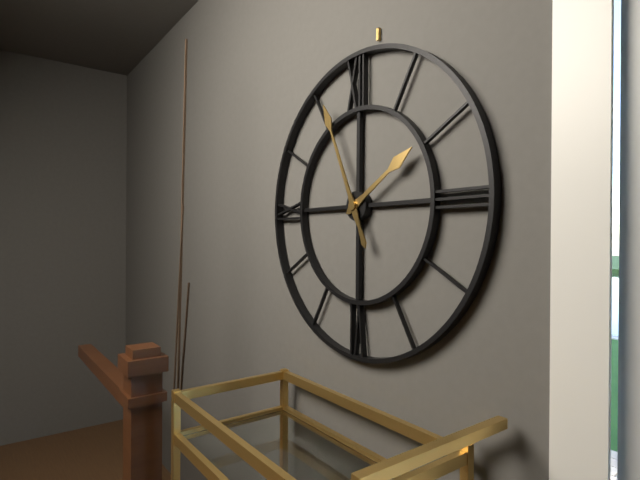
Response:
h=1 m=56
